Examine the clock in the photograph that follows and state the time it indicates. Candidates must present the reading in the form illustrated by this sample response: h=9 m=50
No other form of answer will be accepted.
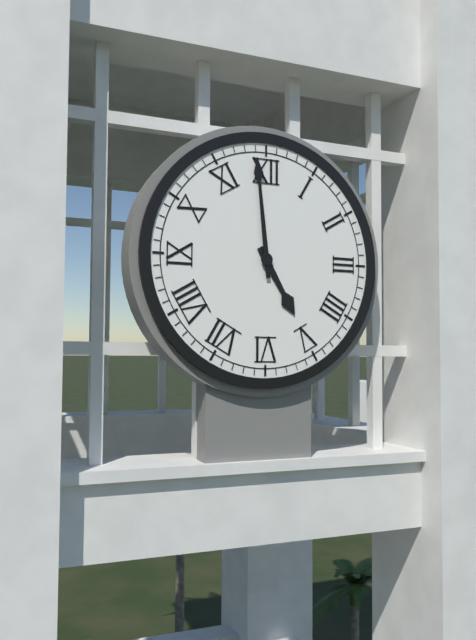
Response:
h=4 m=59
